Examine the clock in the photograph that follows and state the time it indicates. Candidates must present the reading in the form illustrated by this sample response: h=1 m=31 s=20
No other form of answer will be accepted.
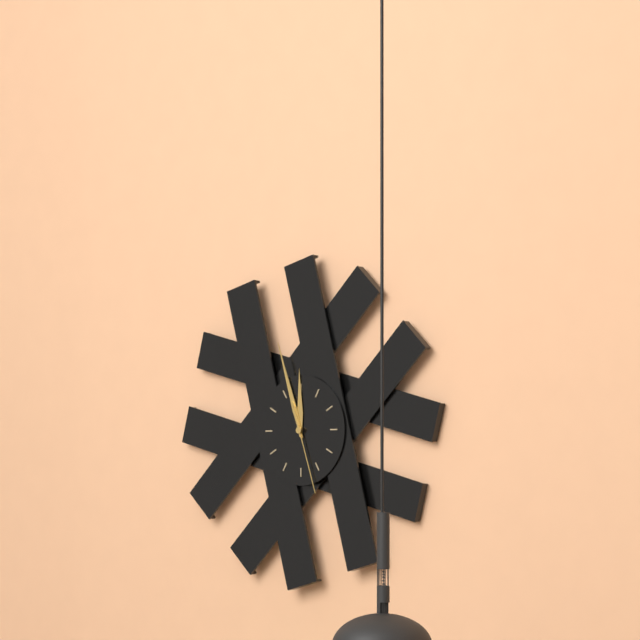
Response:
h=11 m=57 s=27
